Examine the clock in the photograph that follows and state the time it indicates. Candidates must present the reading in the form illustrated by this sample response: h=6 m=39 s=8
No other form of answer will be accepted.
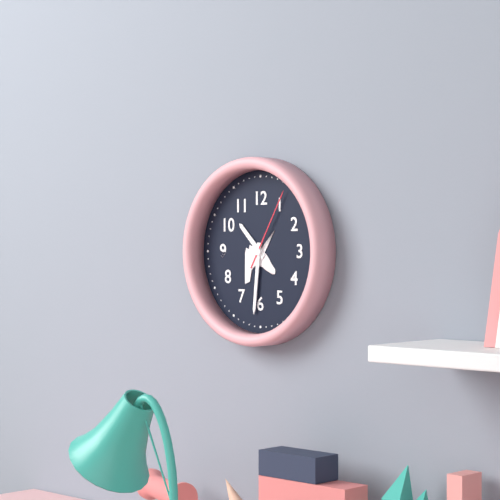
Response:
h=10 m=31 s=5
